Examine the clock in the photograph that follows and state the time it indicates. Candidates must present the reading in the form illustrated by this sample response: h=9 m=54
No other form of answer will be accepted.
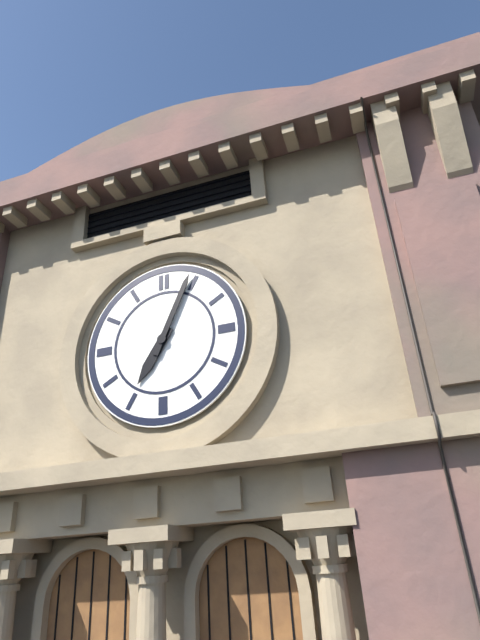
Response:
h=7 m=4
